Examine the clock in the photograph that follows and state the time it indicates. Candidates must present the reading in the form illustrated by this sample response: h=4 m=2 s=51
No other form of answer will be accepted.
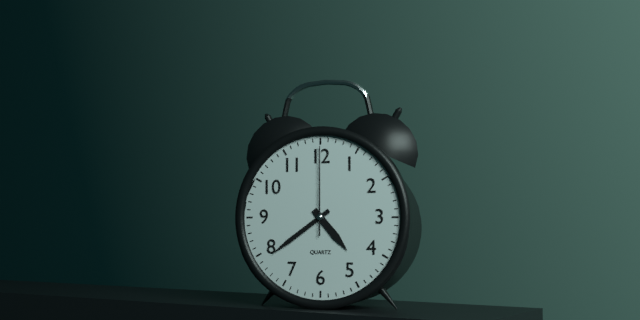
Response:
h=4 m=39 s=0
